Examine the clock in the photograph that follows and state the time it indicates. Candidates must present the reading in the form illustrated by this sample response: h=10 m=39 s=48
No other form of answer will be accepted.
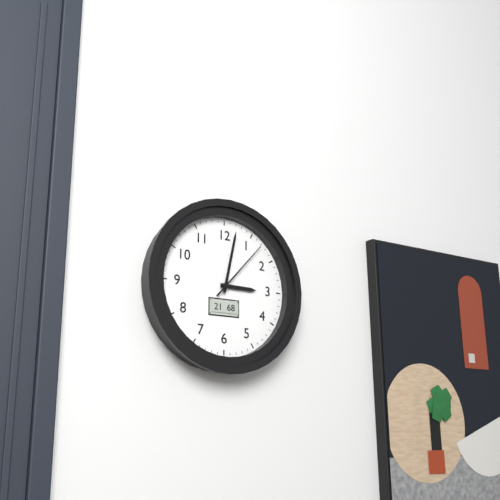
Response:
h=3 m=2 s=7
